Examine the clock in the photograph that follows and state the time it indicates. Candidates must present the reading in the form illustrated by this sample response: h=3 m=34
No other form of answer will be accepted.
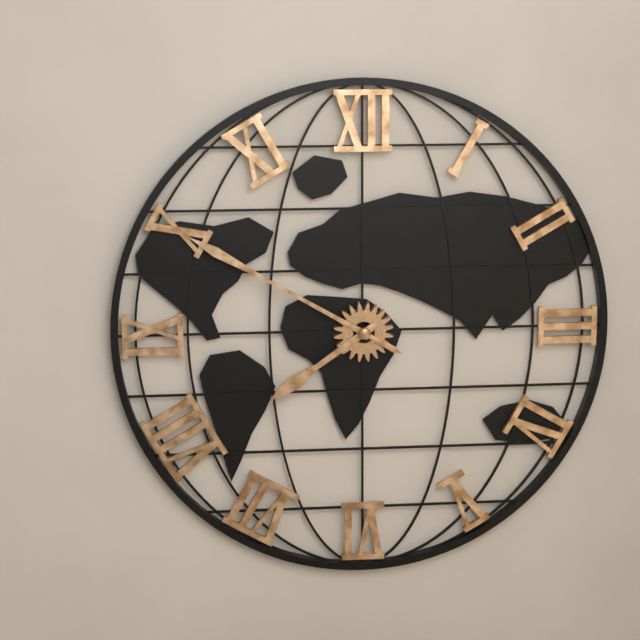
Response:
h=7 m=50
